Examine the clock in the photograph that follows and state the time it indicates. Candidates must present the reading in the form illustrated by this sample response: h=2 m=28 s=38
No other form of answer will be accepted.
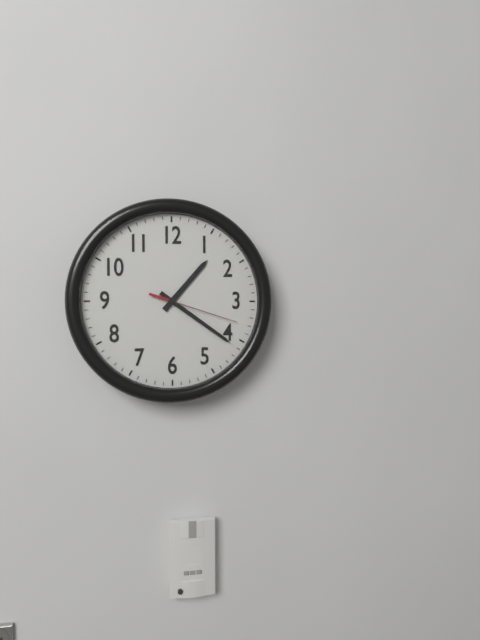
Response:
h=1 m=21 s=18
